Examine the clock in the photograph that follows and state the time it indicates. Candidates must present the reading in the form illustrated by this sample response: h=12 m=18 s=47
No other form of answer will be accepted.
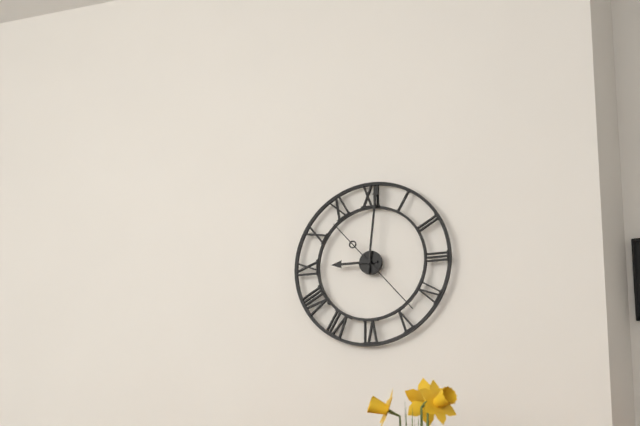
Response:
h=9 m=1 s=23
